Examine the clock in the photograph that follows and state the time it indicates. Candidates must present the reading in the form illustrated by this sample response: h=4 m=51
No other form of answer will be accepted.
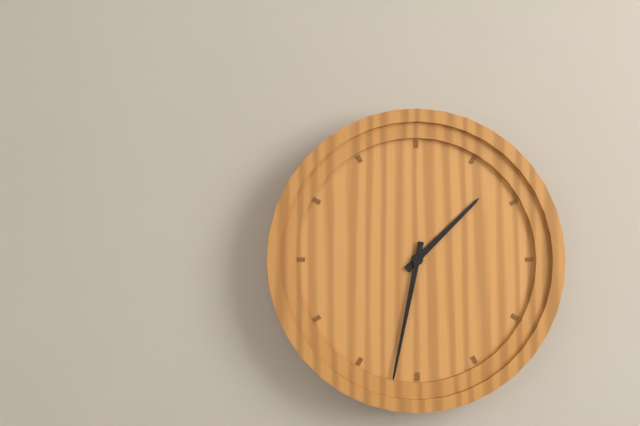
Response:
h=1 m=32
